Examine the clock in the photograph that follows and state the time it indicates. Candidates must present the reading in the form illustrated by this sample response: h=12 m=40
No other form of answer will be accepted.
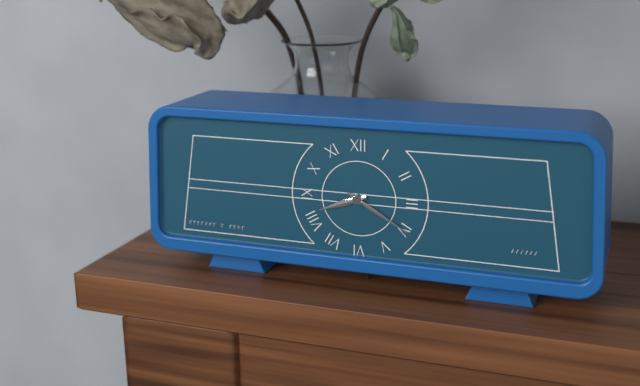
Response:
h=8 m=20
